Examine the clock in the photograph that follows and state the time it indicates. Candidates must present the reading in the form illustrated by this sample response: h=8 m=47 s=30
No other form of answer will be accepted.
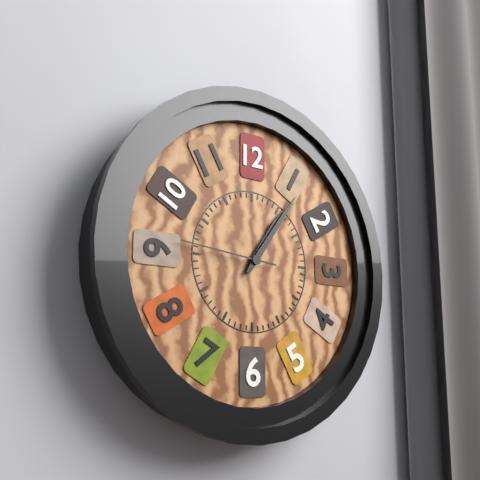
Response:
h=1 m=6 s=46
